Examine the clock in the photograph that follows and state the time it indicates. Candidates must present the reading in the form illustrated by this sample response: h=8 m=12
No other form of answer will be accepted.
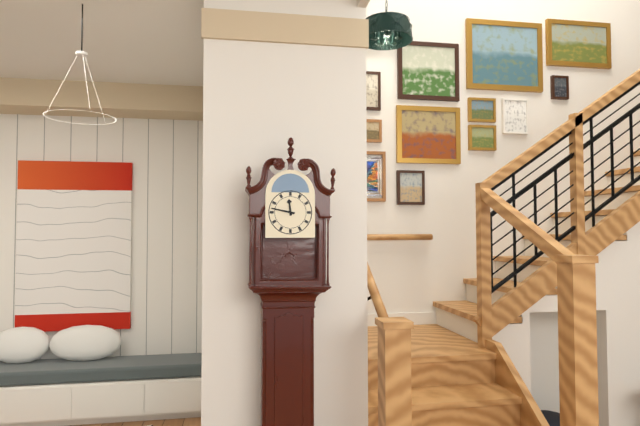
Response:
h=11 m=47
